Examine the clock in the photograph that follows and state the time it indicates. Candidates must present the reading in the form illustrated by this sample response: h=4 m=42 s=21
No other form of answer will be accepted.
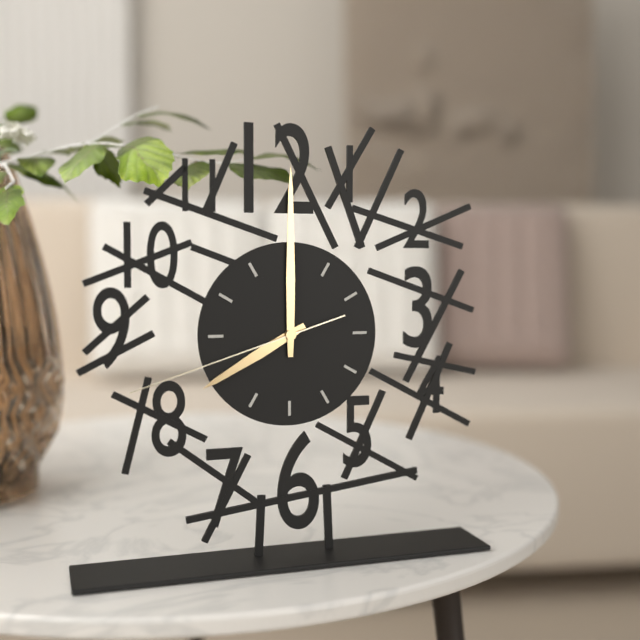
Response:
h=8 m=0 s=42
